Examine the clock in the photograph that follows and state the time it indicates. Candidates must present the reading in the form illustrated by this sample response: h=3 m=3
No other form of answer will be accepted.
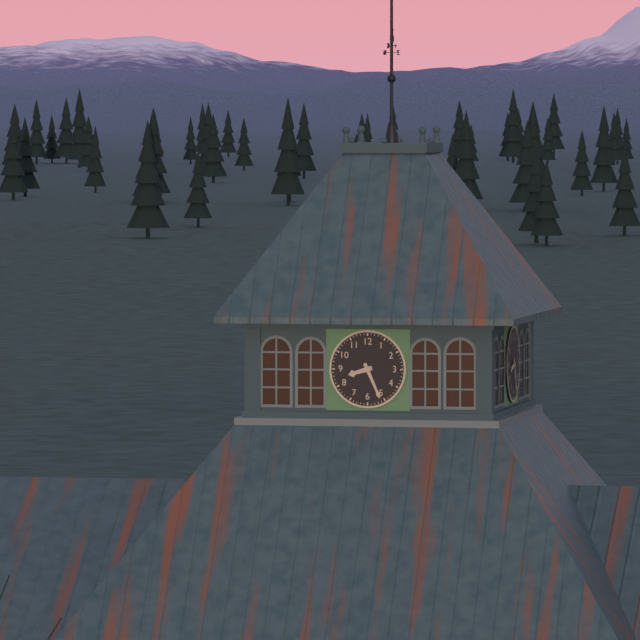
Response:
h=8 m=26
